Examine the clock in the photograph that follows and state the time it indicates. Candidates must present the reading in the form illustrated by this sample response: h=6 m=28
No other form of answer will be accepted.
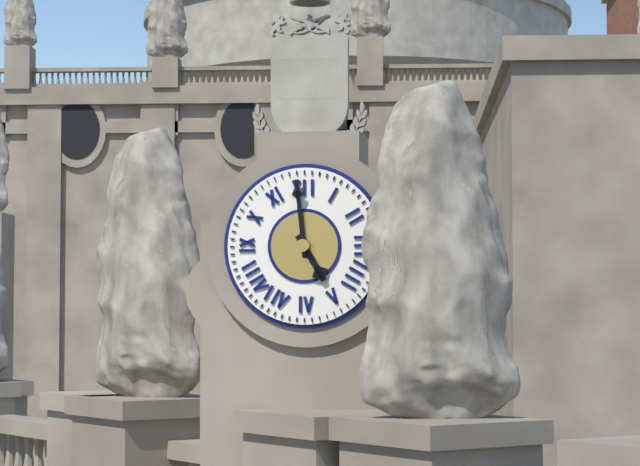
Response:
h=4 m=59
